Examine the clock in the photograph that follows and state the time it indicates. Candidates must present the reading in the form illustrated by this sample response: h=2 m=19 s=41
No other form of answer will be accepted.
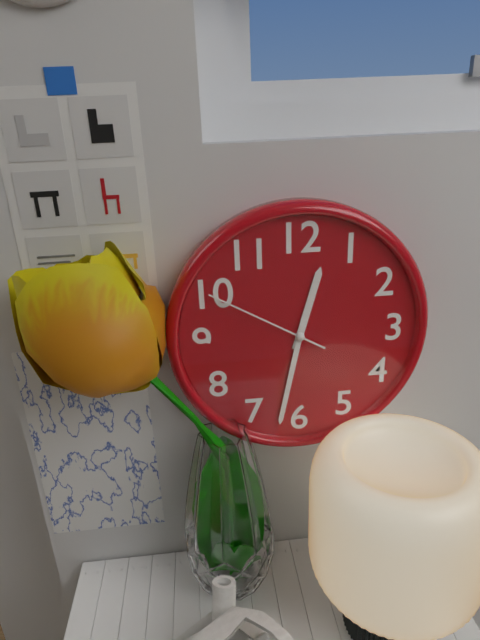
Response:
h=12 m=32 s=50
